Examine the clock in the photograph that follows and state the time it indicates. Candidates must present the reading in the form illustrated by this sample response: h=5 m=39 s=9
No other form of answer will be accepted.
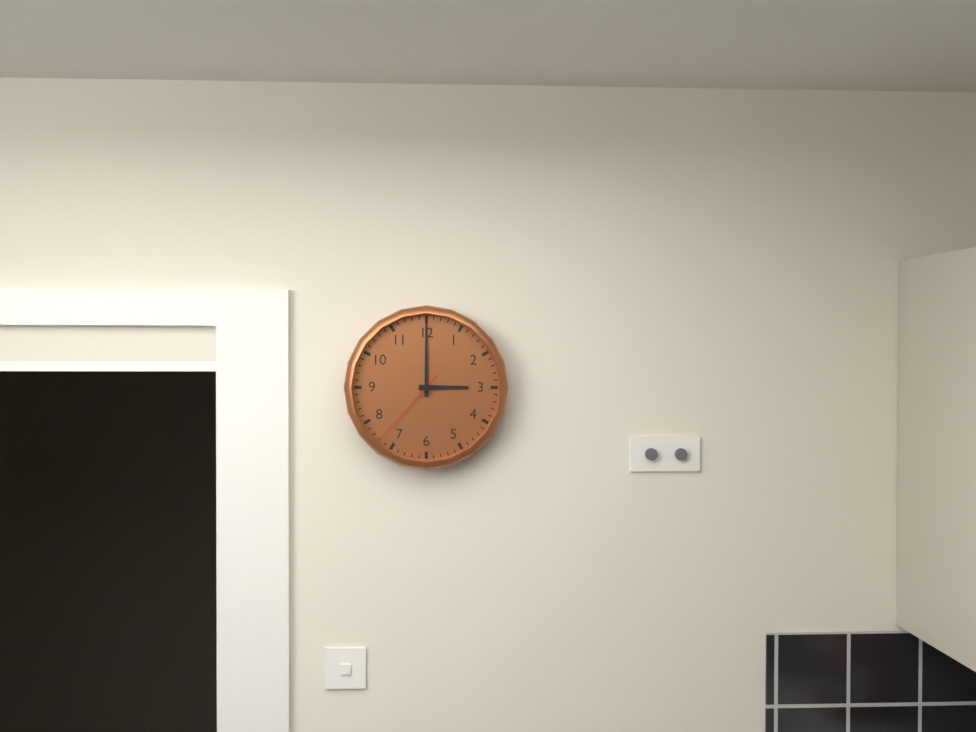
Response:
h=3 m=0 s=37
